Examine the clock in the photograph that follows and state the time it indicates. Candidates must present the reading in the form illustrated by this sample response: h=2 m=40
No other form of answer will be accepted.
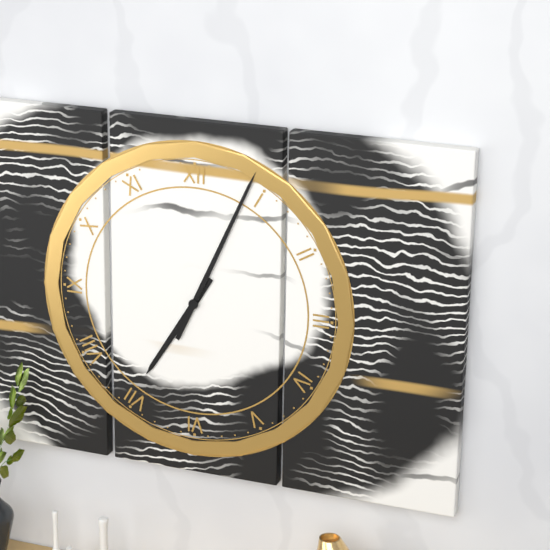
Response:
h=7 m=4
